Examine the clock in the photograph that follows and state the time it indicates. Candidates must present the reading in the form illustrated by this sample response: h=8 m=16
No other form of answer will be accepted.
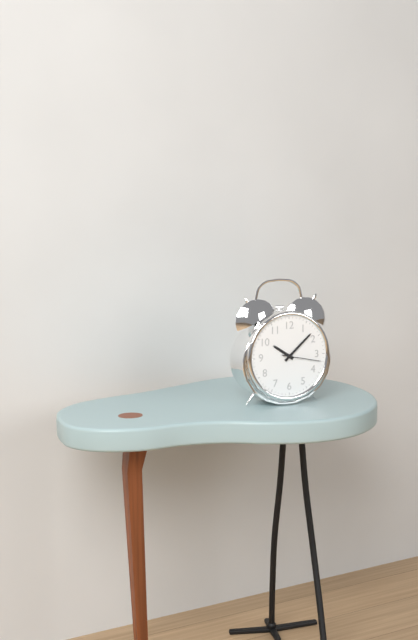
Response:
h=10 m=8
